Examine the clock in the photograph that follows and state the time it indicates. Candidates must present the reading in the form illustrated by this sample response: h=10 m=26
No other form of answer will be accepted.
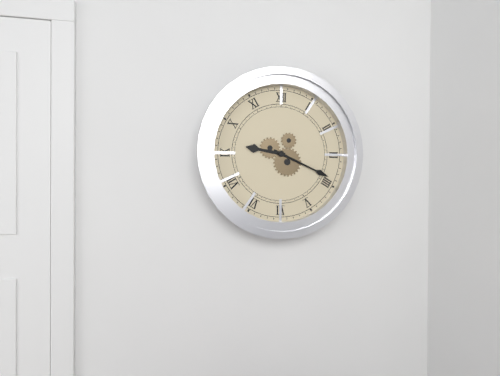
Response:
h=9 m=19
